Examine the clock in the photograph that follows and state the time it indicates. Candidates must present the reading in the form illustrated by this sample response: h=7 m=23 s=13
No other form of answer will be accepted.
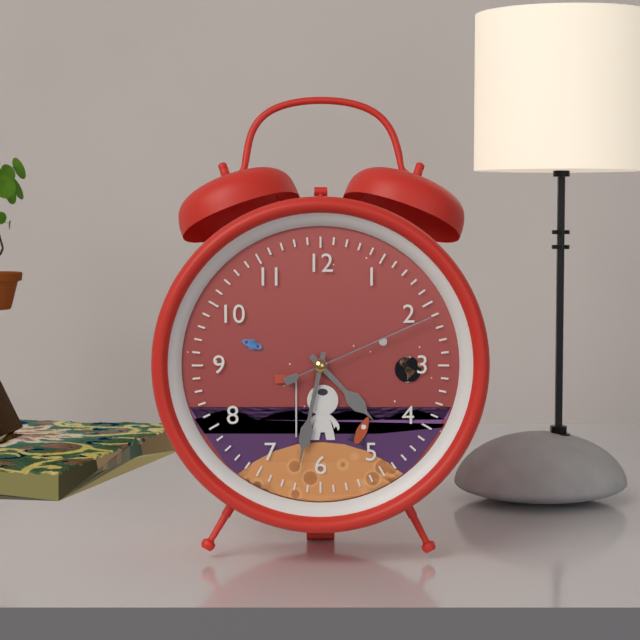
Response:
h=4 m=32 s=11
